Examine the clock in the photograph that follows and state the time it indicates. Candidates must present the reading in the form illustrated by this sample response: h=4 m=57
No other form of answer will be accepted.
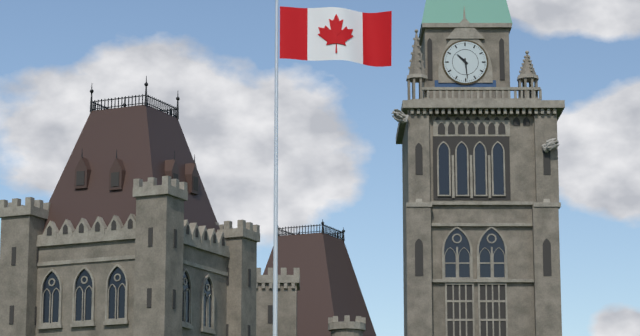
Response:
h=10 m=29
